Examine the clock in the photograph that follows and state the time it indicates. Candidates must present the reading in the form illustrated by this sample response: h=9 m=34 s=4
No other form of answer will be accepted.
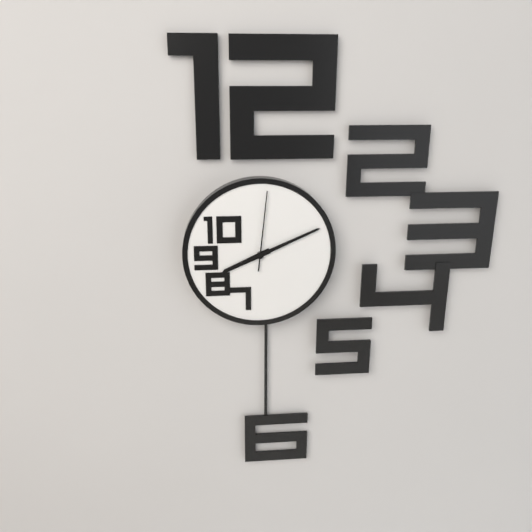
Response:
h=8 m=11 s=1
